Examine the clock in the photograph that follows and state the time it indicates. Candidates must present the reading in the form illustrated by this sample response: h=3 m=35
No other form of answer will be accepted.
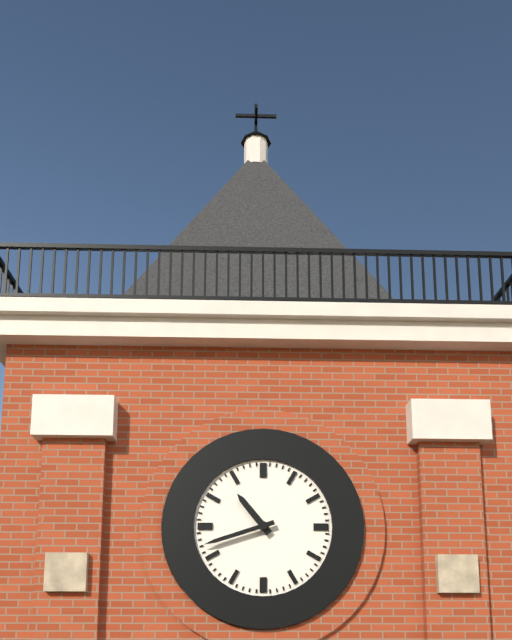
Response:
h=10 m=42
